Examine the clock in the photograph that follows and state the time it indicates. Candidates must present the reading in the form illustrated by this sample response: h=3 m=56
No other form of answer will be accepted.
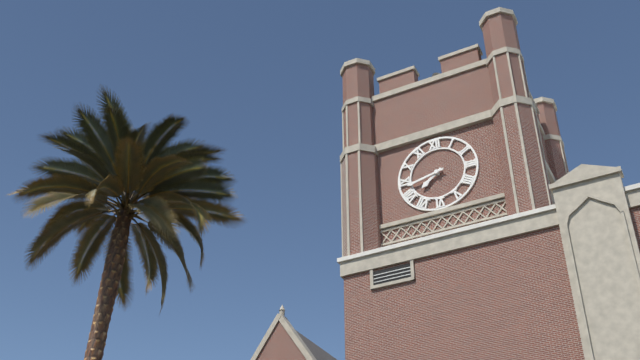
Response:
h=7 m=43
